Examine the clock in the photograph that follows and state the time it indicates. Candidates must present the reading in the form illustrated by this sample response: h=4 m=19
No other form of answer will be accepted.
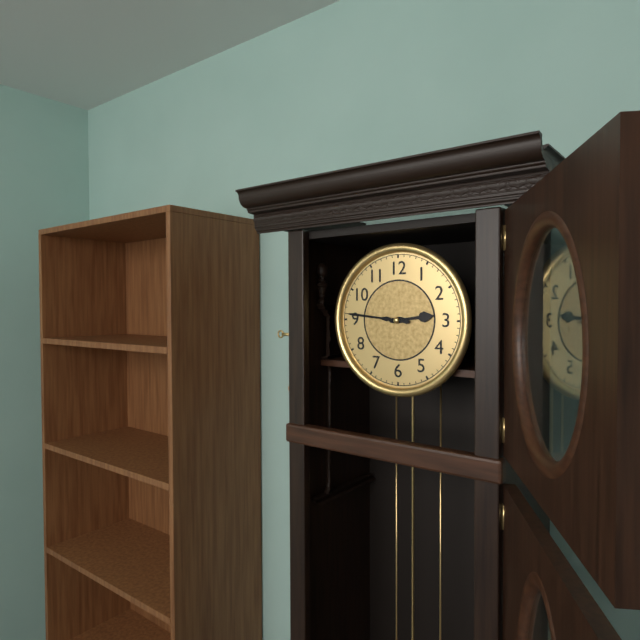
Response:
h=2 m=46
